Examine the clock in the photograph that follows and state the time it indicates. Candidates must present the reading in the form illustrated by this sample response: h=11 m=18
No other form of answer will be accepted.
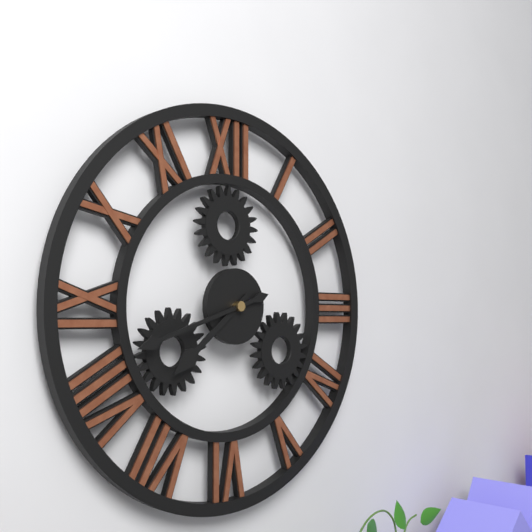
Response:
h=7 m=42
